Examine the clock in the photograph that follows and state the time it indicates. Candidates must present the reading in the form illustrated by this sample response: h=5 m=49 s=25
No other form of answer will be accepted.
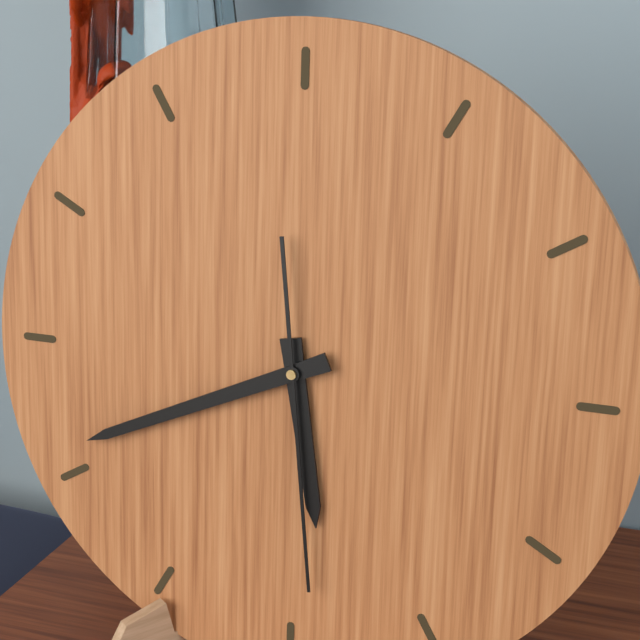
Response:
h=5 m=41 s=29
